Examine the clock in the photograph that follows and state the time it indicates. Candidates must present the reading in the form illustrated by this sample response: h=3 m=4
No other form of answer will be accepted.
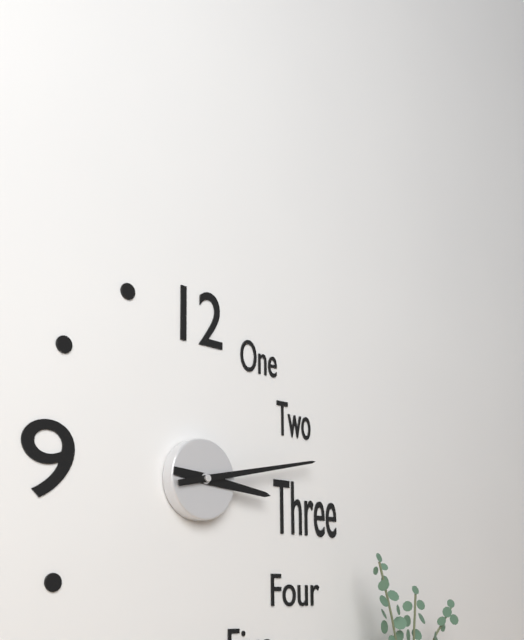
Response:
h=3 m=13
